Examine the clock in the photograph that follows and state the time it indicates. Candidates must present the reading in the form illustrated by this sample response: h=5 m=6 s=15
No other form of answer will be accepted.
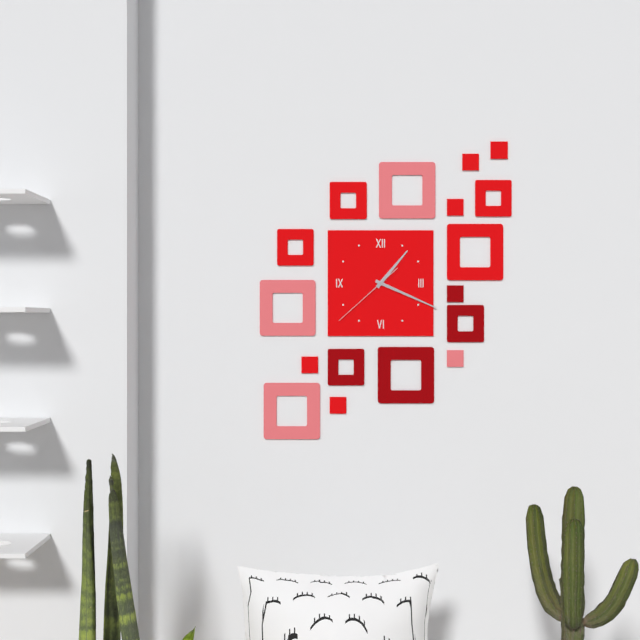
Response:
h=1 m=19 s=38
